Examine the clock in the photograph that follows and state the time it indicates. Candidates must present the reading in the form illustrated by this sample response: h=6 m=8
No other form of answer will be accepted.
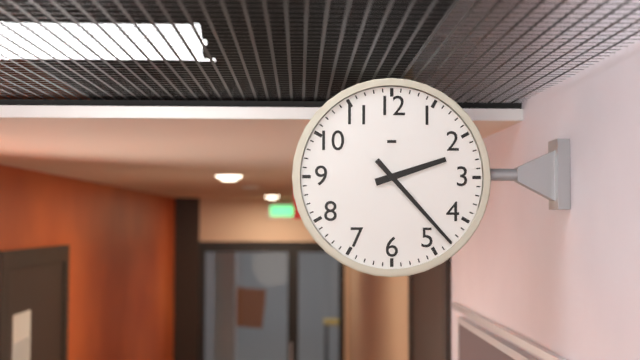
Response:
h=2 m=23
